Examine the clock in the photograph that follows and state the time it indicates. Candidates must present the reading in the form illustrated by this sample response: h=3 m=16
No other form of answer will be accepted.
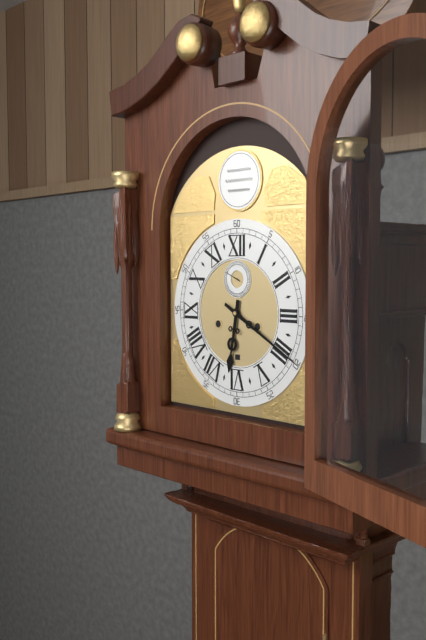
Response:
h=6 m=20
